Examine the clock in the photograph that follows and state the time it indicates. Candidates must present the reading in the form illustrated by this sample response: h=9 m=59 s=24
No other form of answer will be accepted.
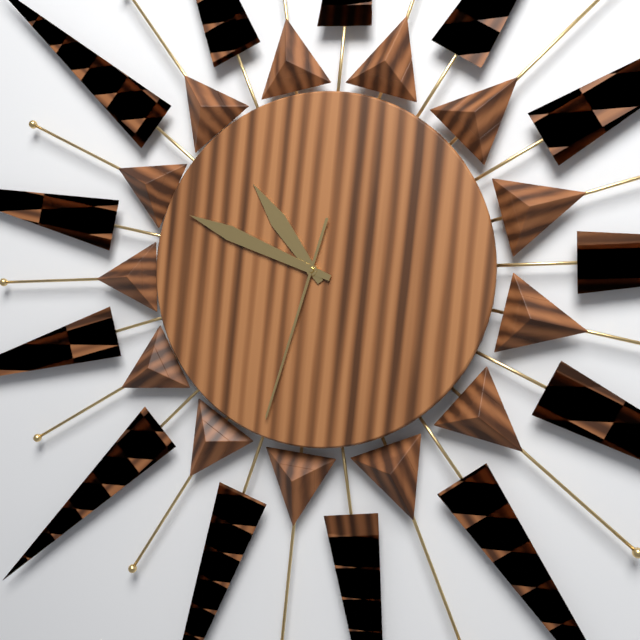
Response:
h=10 m=49 s=33
